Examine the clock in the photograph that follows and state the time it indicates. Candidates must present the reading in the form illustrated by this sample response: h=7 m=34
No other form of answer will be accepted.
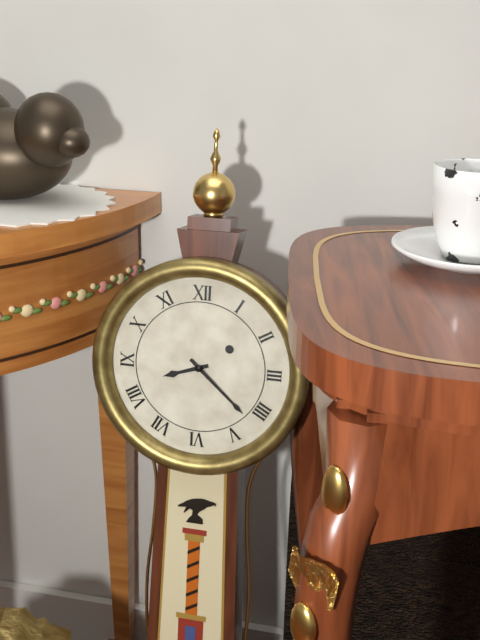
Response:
h=8 m=22
